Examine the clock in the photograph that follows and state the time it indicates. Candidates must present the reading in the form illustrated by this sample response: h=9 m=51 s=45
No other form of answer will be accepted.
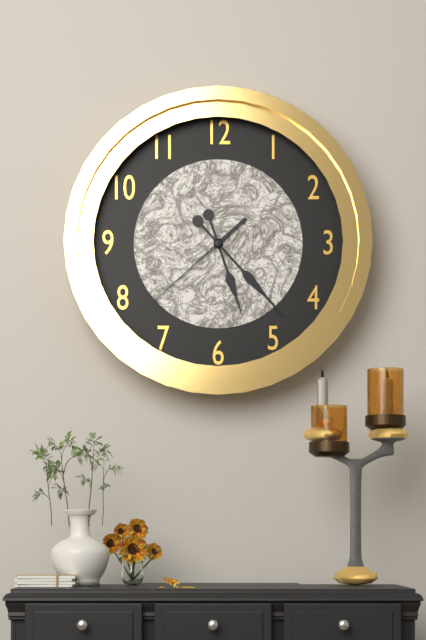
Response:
h=5 m=23 s=38
